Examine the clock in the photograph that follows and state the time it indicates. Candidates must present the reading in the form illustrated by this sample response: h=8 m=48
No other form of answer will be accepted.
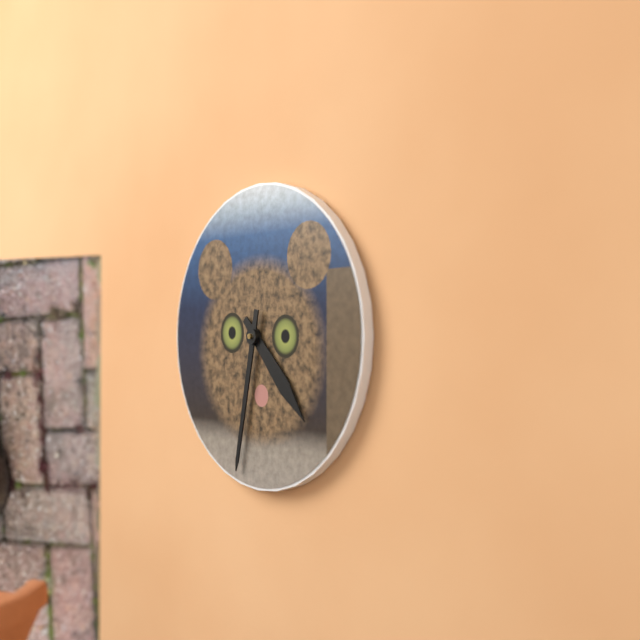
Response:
h=4 m=32
